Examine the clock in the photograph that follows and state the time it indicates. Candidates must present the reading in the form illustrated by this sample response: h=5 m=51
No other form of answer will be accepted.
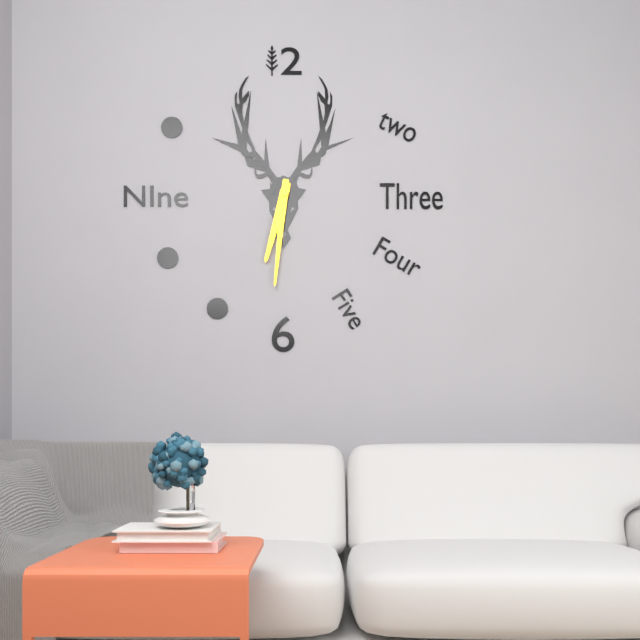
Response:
h=6 m=31
